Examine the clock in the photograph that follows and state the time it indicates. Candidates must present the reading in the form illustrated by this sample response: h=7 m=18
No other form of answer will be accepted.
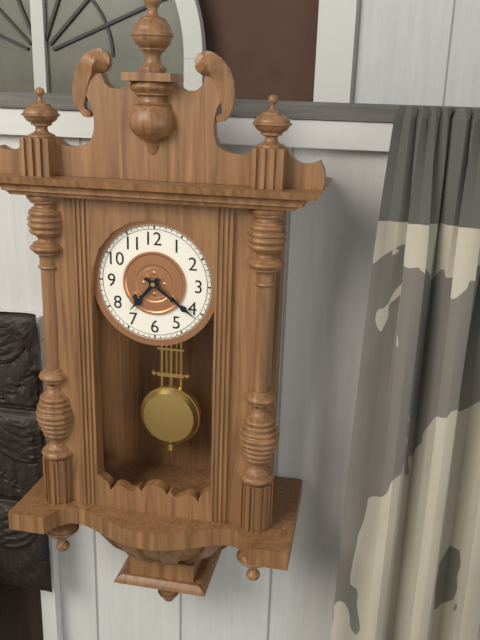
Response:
h=7 m=21
